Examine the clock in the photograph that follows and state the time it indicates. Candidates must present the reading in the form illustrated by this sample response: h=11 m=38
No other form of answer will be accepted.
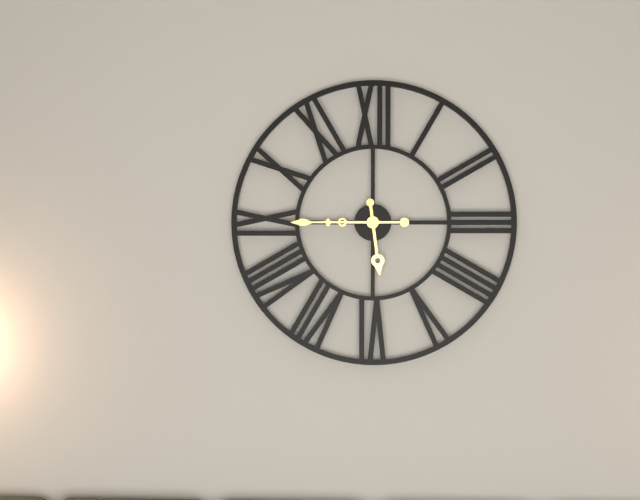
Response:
h=5 m=45
